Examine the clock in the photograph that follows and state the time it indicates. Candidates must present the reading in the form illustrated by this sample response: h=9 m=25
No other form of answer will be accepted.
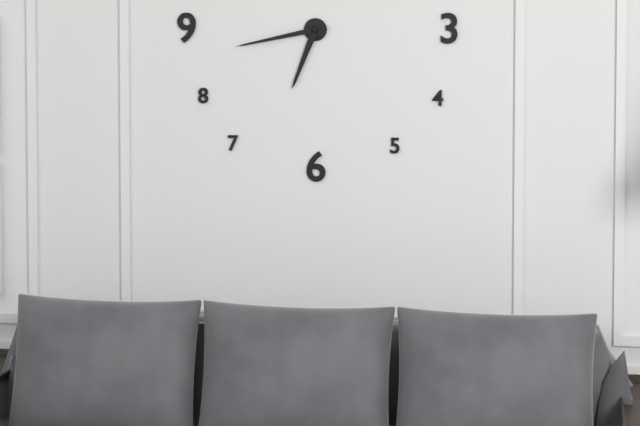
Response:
h=6 m=43
